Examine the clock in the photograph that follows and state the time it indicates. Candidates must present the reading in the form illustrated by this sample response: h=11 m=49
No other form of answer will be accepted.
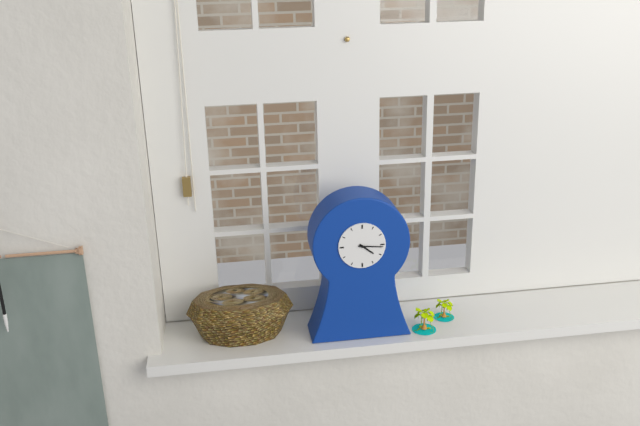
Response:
h=4 m=16
